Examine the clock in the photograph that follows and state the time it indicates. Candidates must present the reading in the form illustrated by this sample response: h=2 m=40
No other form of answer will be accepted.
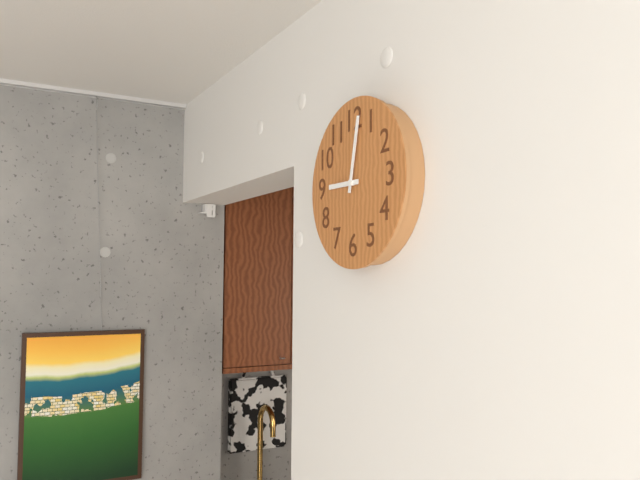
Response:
h=9 m=2
